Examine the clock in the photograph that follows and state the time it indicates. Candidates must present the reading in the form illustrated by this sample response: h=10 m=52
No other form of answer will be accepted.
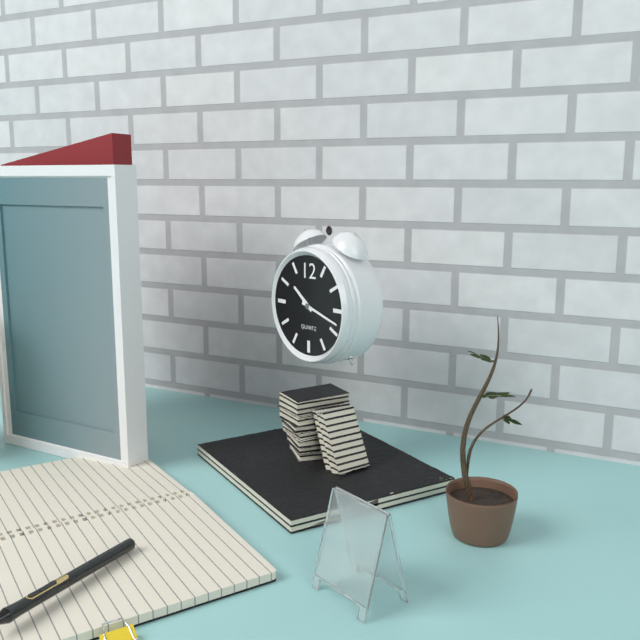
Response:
h=10 m=18
